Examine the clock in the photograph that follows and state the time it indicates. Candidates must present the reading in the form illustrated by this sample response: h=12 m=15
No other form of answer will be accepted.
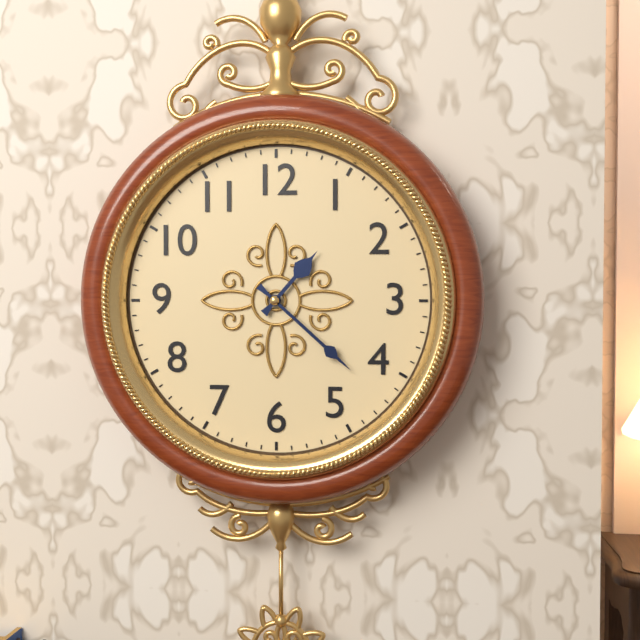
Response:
h=1 m=22
